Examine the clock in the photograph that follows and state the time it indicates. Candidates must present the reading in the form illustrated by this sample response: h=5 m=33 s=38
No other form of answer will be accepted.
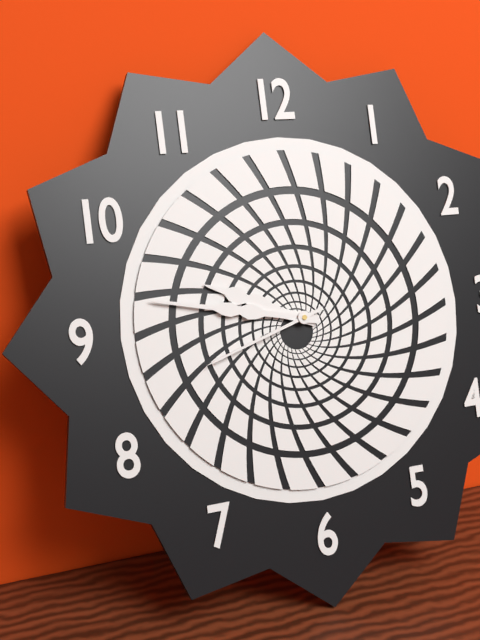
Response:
h=9 m=47 s=42
